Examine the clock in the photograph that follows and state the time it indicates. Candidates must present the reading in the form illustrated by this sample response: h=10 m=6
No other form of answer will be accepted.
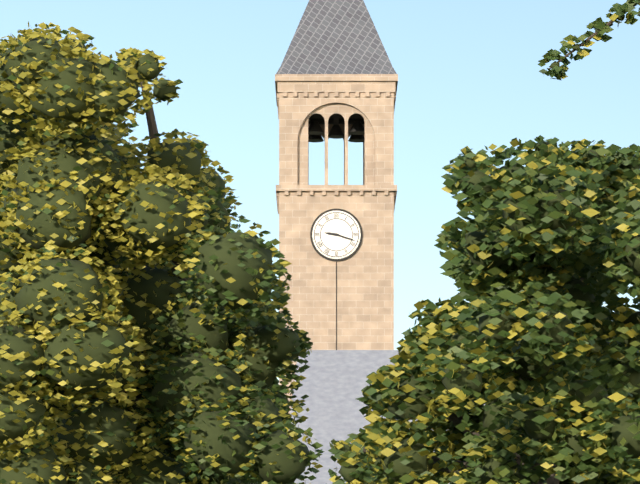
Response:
h=9 m=18
